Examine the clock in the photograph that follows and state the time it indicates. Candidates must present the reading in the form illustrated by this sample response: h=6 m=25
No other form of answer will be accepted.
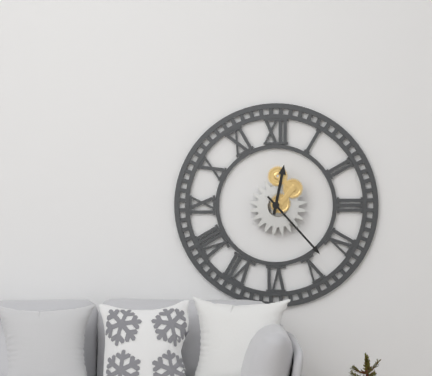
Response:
h=12 m=23
